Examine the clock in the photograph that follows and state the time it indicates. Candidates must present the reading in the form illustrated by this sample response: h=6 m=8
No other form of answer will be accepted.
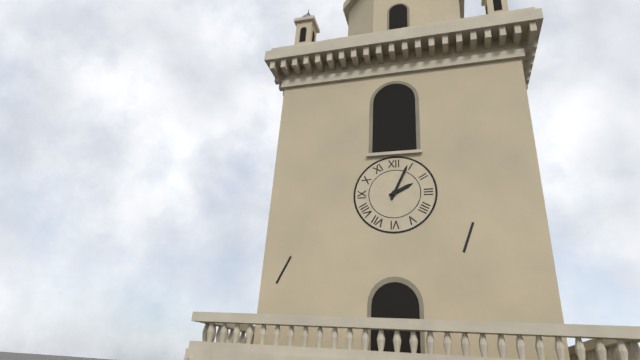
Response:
h=2 m=4
